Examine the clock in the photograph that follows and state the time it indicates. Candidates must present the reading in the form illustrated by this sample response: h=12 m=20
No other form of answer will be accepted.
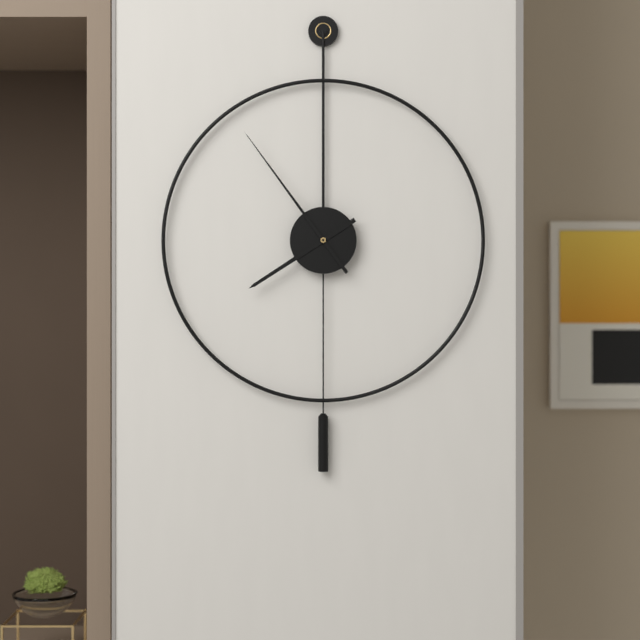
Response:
h=7 m=54
